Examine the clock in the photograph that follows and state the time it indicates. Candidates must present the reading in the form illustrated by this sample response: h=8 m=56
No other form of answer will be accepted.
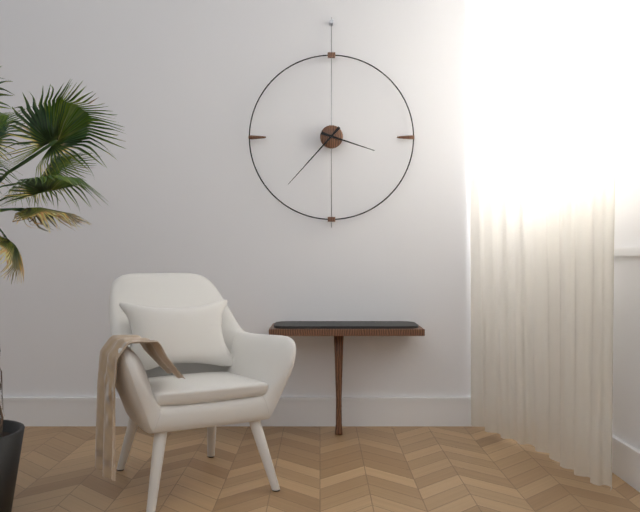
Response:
h=3 m=37
